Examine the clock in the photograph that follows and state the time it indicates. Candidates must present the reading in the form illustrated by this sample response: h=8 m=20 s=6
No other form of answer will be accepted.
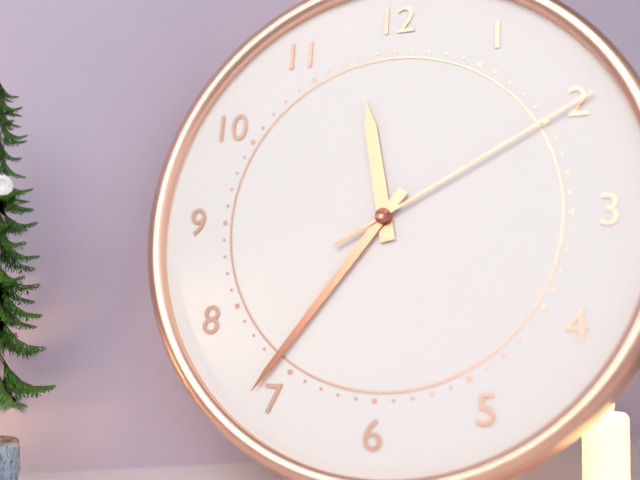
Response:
h=11 m=36 s=10
